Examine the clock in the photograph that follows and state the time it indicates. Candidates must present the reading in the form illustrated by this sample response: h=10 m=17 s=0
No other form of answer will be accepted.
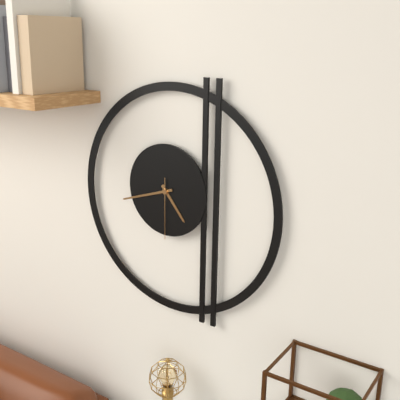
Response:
h=4 m=42 s=30
